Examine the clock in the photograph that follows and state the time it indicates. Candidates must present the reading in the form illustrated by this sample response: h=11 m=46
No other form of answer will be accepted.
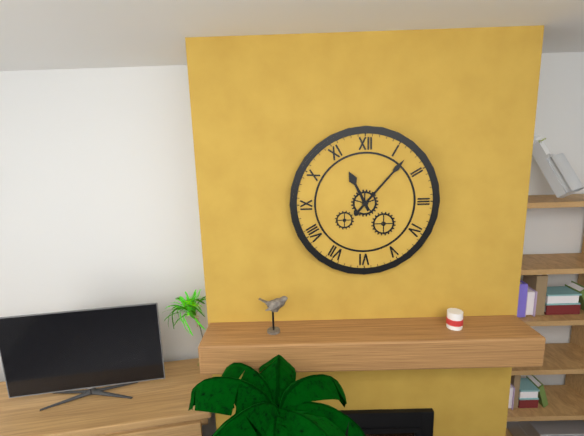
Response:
h=11 m=7
